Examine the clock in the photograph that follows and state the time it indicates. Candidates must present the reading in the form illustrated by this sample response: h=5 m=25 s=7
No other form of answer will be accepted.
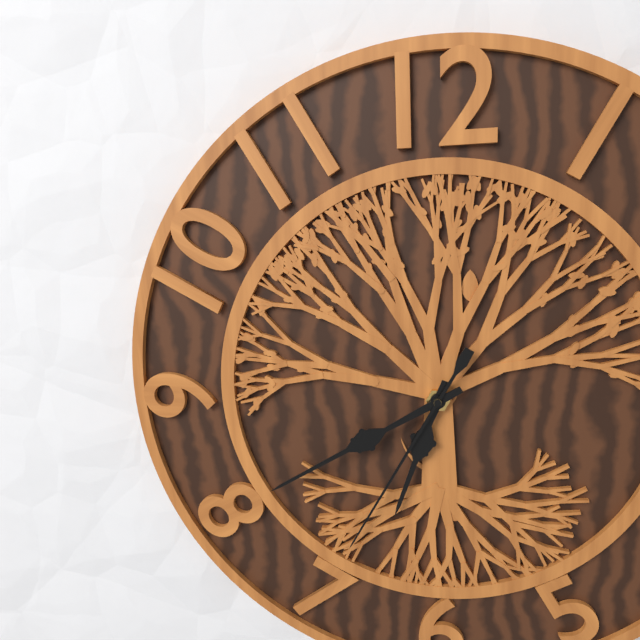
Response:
h=6 m=40 s=35
